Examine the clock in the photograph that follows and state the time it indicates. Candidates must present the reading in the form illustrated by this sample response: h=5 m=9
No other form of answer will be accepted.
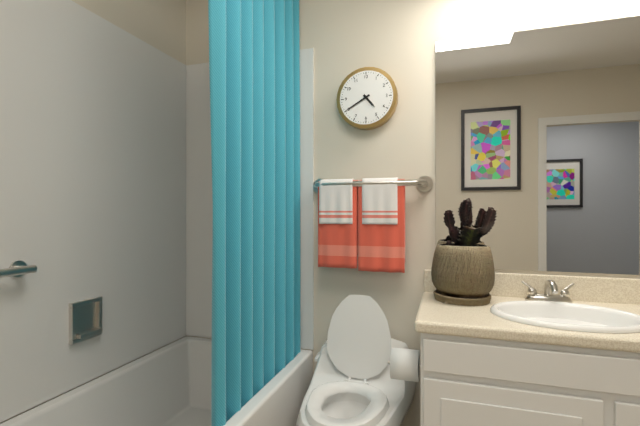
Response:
h=4 m=40
